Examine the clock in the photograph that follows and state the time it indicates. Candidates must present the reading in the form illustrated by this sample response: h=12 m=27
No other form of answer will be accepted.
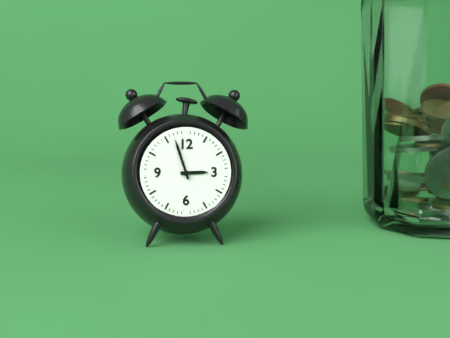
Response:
h=2 m=57
